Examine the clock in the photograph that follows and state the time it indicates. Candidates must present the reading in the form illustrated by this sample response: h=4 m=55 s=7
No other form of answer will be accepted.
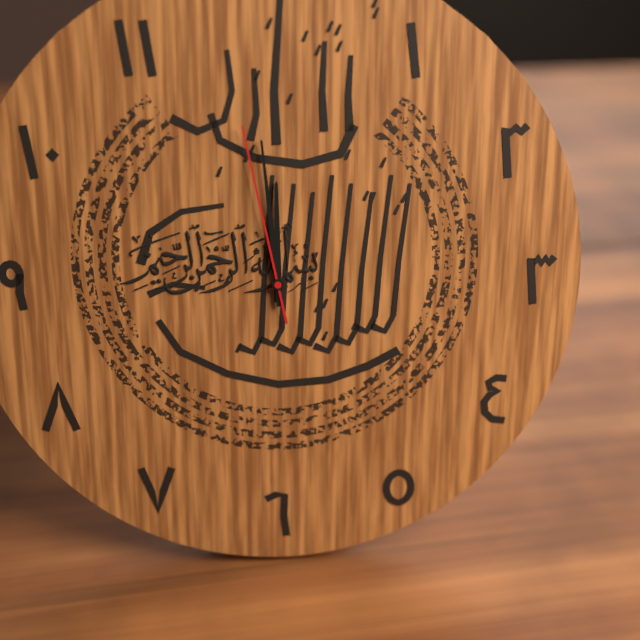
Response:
h=11 m=59 s=58
